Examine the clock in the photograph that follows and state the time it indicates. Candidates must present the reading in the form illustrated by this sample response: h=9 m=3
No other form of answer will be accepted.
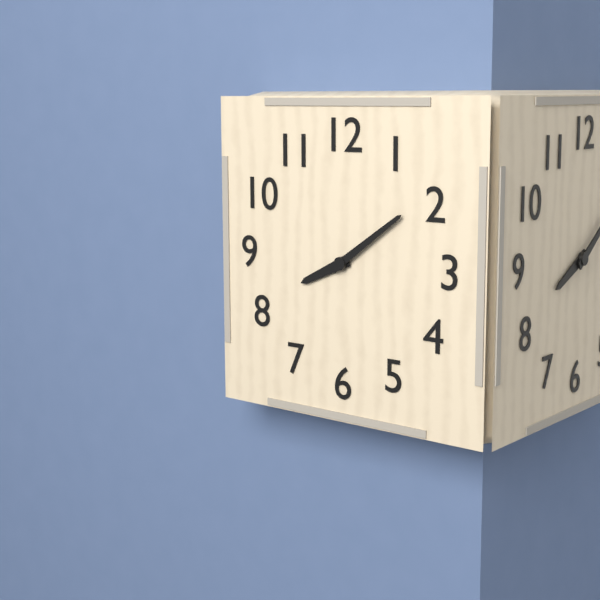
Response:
h=8 m=9
